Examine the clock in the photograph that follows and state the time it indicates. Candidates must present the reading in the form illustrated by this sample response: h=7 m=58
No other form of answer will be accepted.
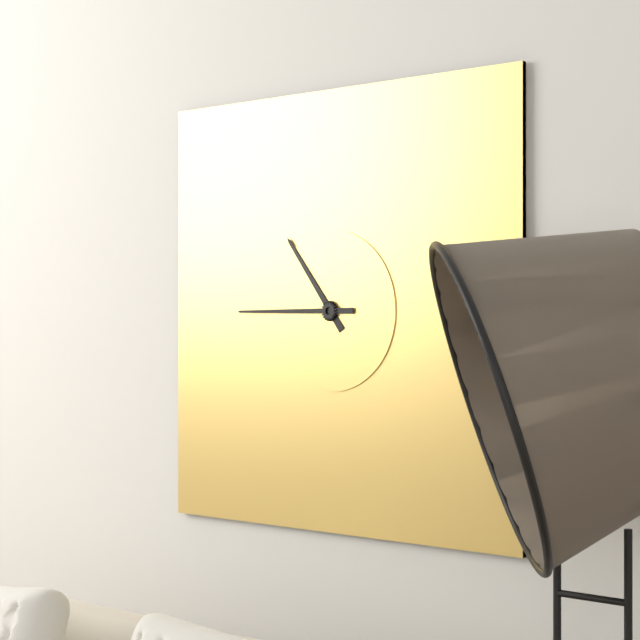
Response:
h=10 m=45
